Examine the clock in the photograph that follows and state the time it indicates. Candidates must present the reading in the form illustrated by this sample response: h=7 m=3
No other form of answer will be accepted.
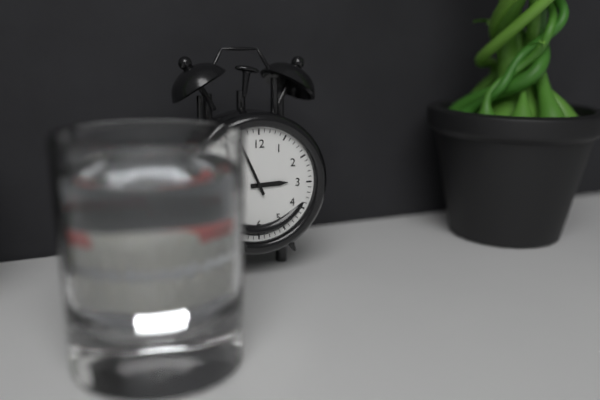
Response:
h=2 m=56
